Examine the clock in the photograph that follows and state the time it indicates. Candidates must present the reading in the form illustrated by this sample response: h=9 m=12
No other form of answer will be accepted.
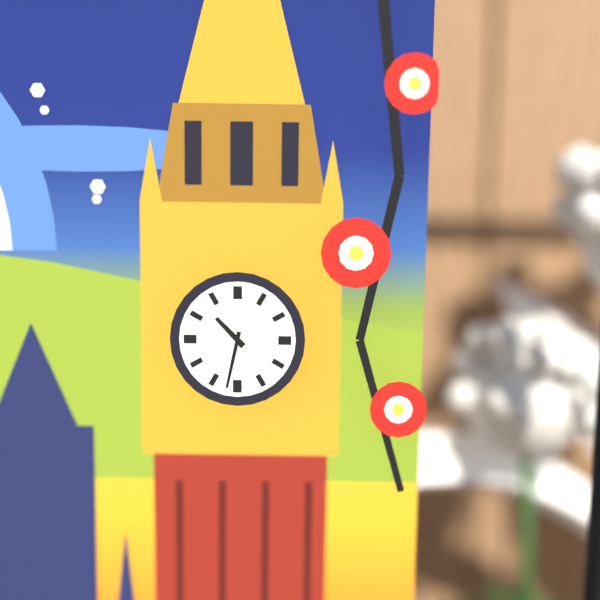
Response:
h=10 m=32
